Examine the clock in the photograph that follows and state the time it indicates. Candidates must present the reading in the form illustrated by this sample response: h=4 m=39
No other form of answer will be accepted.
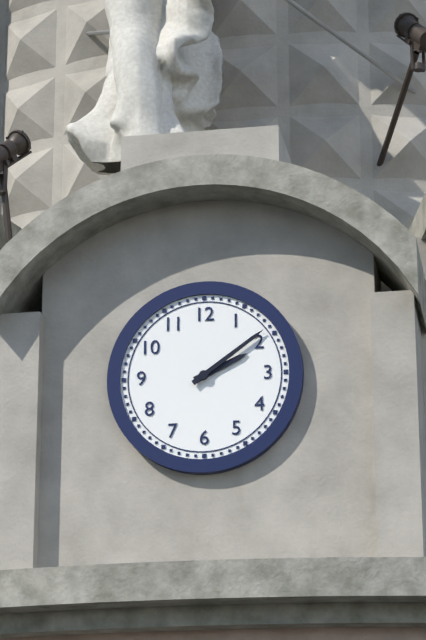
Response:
h=2 m=9
